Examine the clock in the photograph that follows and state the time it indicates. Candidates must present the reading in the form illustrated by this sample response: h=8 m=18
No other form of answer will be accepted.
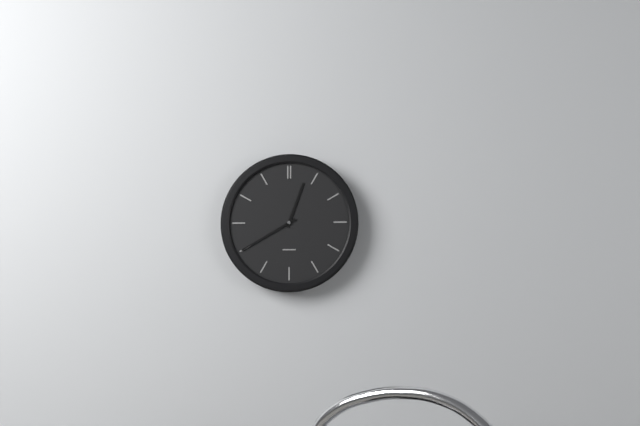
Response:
h=12 m=40
